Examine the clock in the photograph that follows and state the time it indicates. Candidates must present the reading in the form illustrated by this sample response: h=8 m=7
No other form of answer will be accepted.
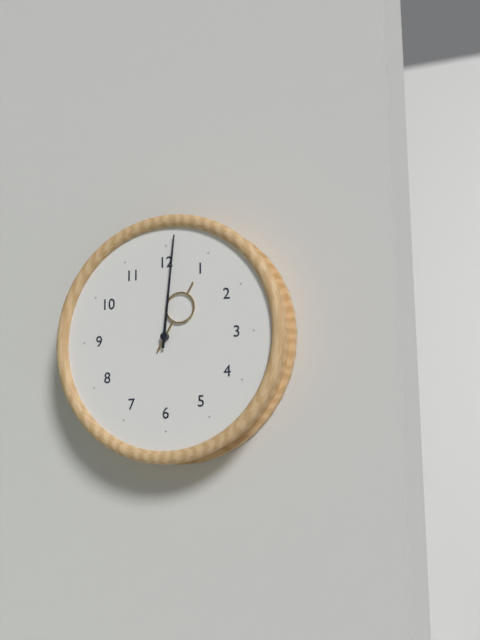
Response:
h=1 m=1
